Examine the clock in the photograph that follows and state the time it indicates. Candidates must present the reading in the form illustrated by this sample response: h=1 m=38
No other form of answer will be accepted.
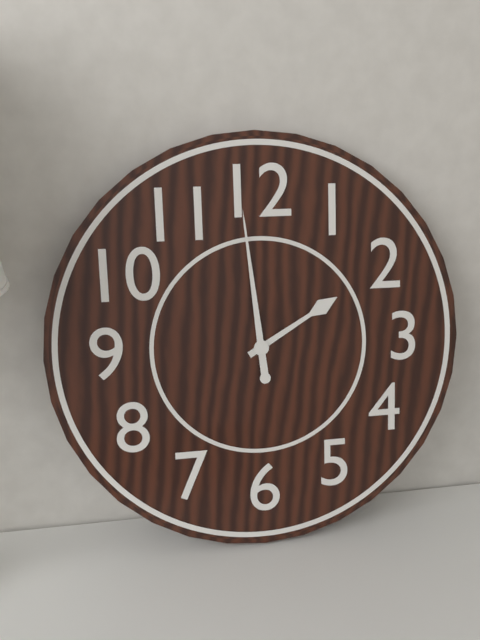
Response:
h=1 m=59
